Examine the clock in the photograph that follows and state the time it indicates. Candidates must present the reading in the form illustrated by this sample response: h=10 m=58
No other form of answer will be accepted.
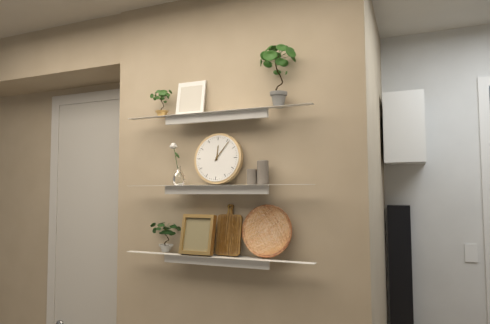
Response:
h=12 m=6
